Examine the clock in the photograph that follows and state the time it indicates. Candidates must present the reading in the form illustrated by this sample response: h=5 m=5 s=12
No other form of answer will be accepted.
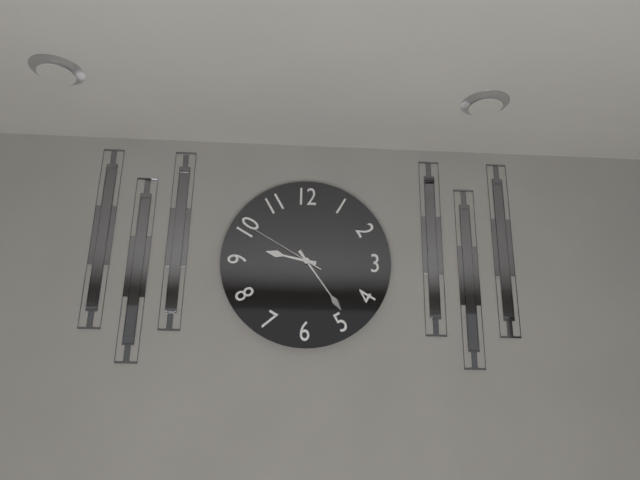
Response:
h=9 m=24 s=50
